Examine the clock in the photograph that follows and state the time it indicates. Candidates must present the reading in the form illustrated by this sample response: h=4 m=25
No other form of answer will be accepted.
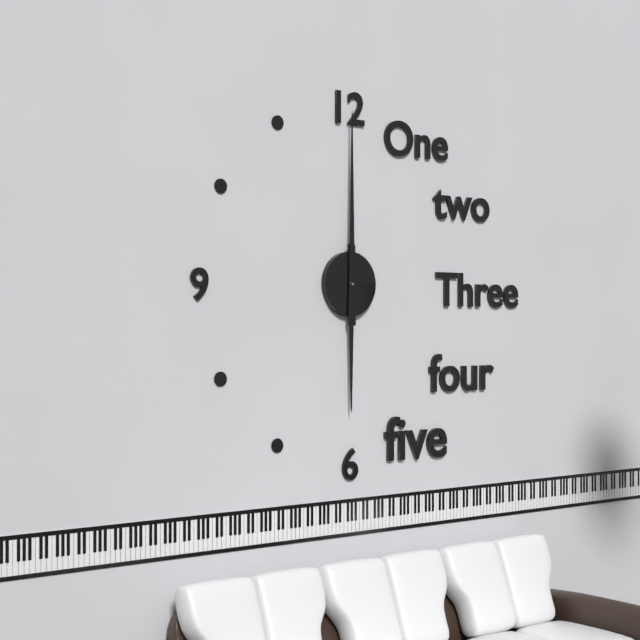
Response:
h=6 m=0
